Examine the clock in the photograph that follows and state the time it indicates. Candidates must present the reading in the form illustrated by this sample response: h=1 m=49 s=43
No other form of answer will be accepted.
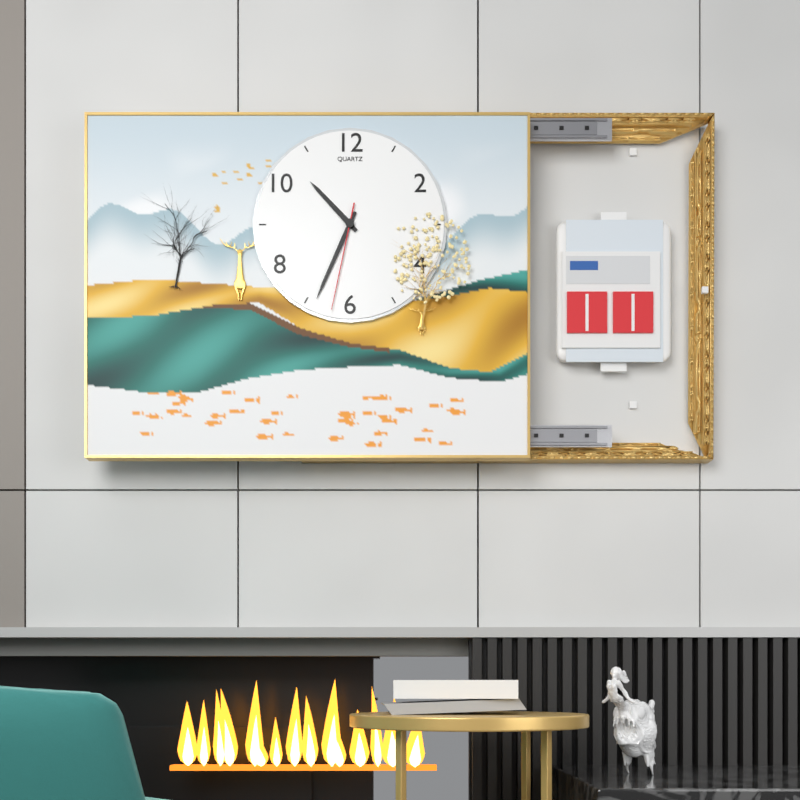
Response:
h=10 m=34 s=32
